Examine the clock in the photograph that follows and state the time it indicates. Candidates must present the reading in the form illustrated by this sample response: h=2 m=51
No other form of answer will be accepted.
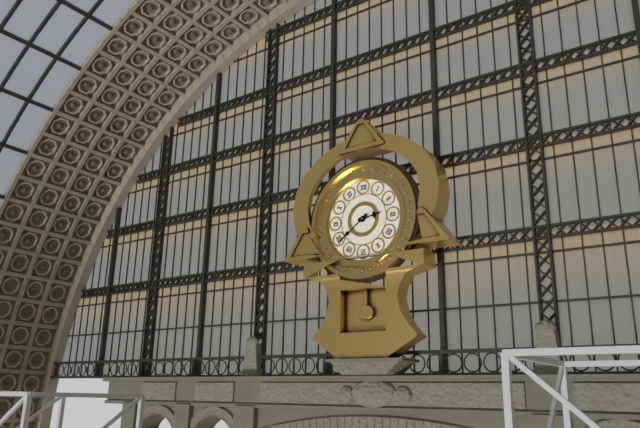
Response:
h=2 m=39
